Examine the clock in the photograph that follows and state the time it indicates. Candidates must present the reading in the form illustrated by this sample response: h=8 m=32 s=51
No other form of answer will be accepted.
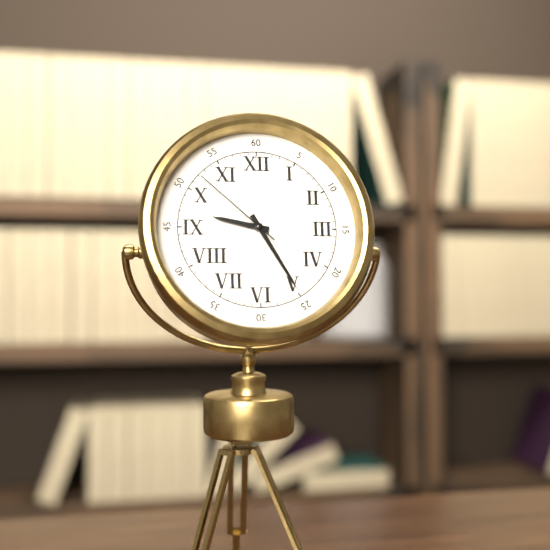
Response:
h=9 m=25 s=52
